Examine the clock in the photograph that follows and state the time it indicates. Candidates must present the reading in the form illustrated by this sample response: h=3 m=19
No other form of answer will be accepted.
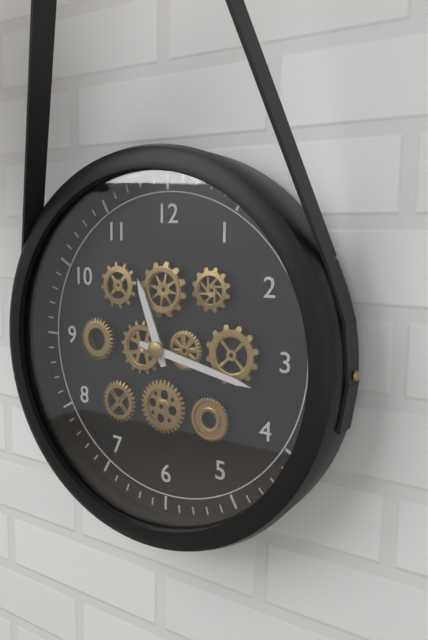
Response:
h=11 m=17
